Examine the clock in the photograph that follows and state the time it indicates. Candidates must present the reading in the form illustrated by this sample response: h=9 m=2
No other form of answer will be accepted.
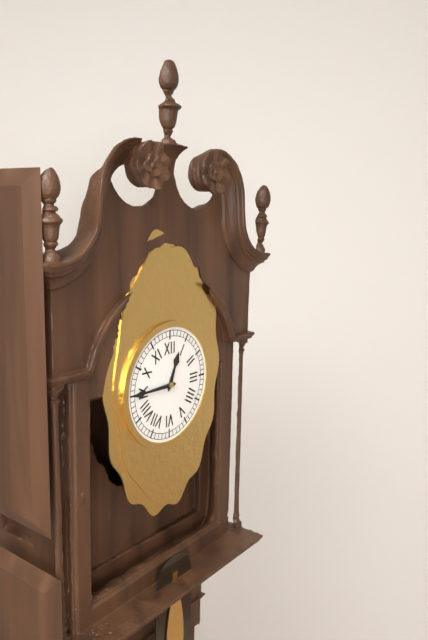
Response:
h=12 m=45
